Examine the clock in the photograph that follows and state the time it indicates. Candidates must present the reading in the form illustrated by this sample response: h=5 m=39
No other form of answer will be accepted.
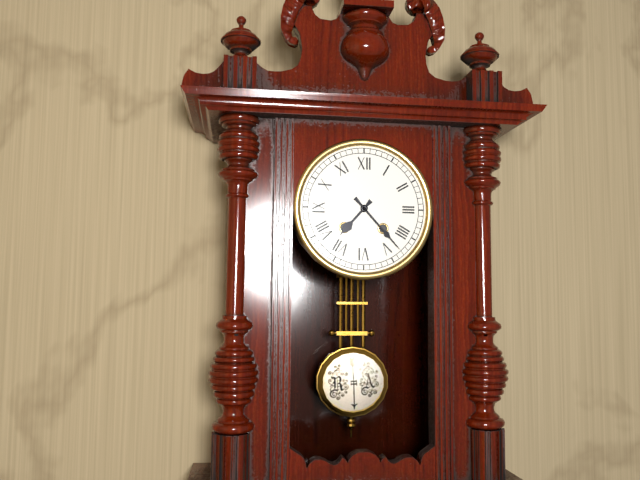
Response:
h=7 m=23
